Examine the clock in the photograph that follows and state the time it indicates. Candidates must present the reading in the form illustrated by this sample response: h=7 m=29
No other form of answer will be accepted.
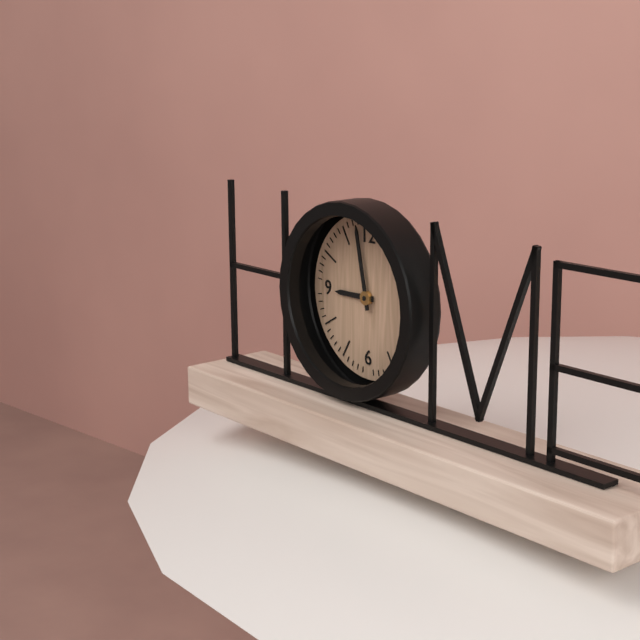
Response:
h=8 m=58
